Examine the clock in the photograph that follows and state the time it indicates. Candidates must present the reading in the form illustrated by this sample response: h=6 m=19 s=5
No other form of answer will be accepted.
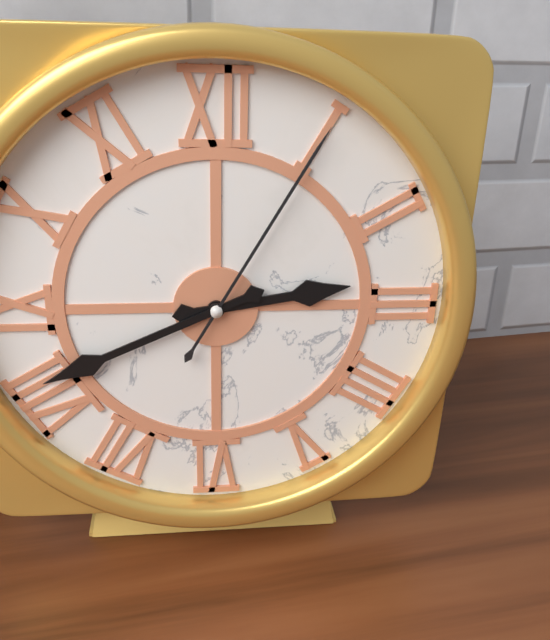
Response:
h=2 m=41 s=5
